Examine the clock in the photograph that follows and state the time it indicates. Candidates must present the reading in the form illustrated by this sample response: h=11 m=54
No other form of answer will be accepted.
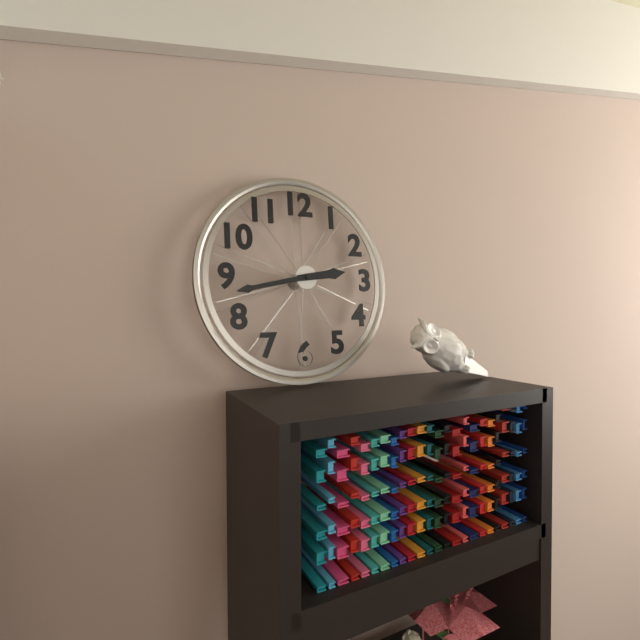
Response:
h=2 m=43
